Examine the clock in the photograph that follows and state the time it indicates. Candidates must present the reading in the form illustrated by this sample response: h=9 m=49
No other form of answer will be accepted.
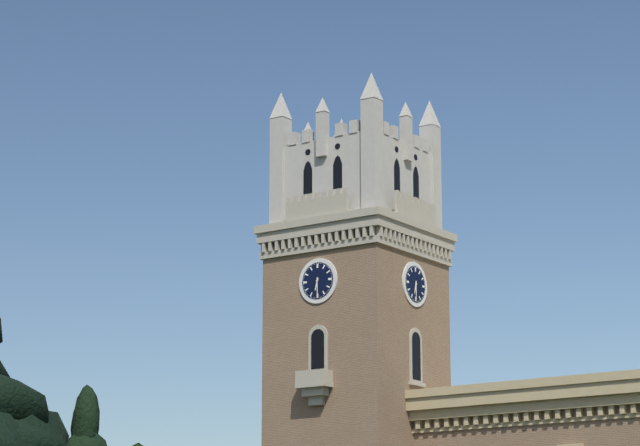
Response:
h=6 m=30
